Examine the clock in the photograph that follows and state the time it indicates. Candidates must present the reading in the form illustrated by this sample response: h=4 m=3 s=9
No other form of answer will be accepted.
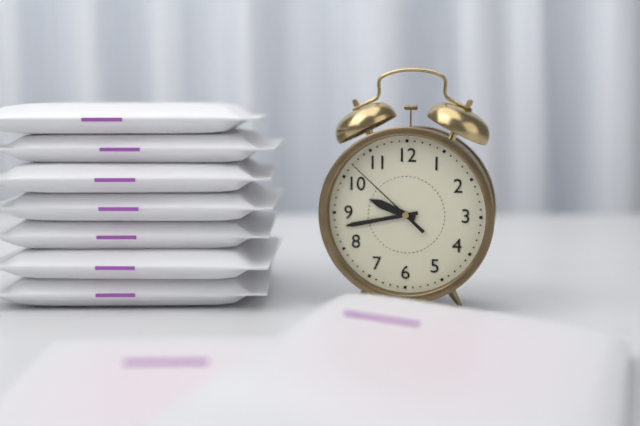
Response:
h=9 m=43 s=52
